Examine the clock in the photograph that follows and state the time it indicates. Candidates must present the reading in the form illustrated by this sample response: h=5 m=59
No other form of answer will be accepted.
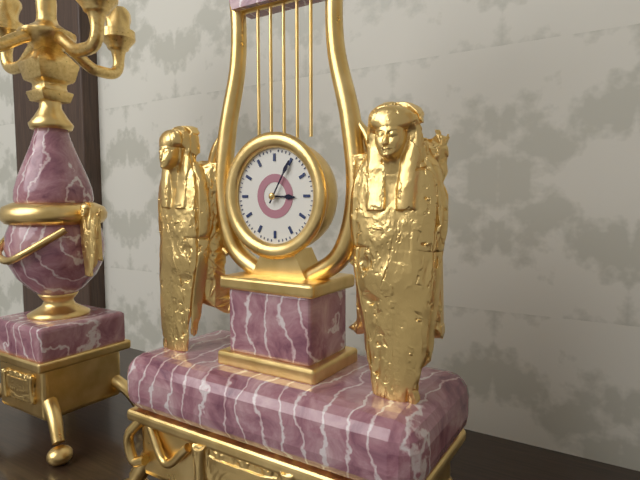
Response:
h=3 m=5
